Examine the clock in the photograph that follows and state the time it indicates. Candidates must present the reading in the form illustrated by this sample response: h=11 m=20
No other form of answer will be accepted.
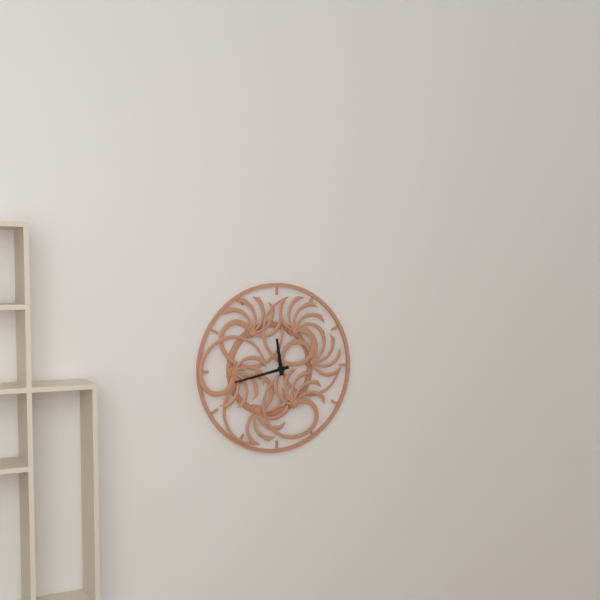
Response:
h=11 m=43
